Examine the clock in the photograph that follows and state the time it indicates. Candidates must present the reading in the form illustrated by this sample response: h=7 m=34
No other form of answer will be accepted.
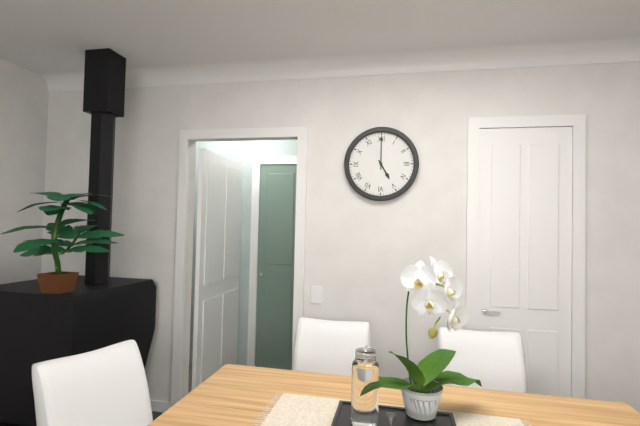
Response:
h=5 m=0
